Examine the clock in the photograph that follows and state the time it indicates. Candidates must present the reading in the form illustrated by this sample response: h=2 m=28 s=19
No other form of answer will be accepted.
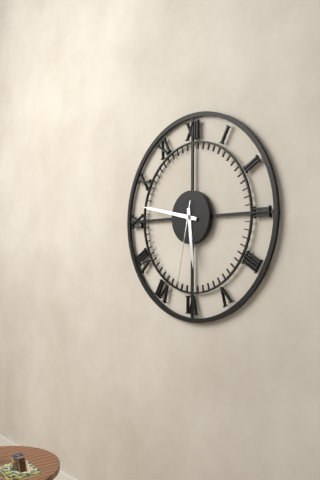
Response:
h=5 m=47 s=32
